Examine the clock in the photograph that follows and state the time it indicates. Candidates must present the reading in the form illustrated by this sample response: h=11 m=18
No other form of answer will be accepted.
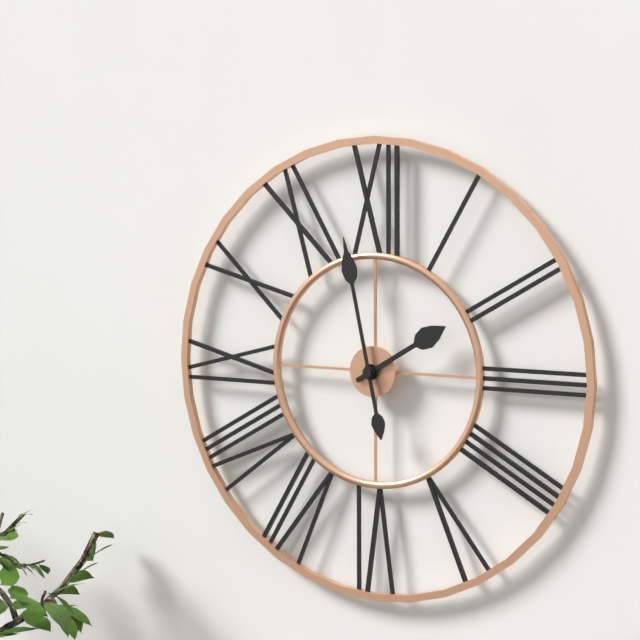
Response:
h=1 m=58
